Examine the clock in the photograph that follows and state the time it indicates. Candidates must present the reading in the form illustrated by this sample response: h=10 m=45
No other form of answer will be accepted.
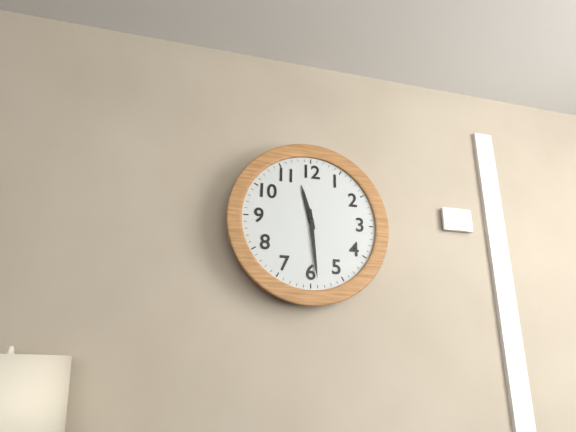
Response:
h=11 m=29
